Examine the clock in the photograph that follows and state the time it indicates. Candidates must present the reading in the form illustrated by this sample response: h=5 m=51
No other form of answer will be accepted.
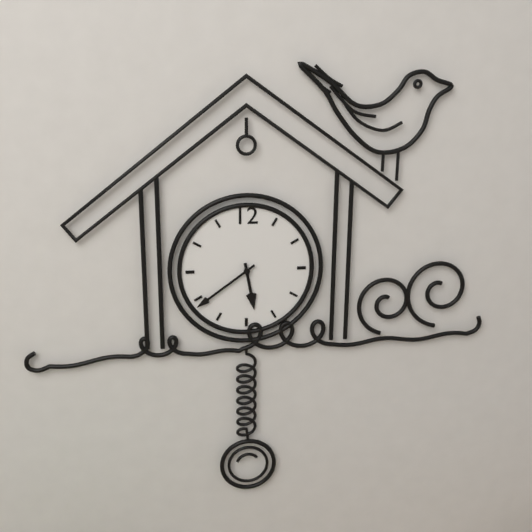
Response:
h=5 m=39
